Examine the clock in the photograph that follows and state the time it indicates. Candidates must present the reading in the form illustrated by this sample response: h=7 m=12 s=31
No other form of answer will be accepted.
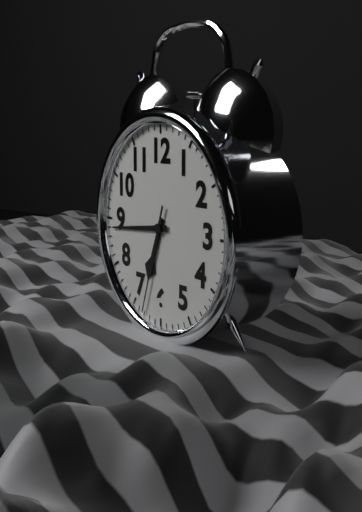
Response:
h=6 m=44 s=33
